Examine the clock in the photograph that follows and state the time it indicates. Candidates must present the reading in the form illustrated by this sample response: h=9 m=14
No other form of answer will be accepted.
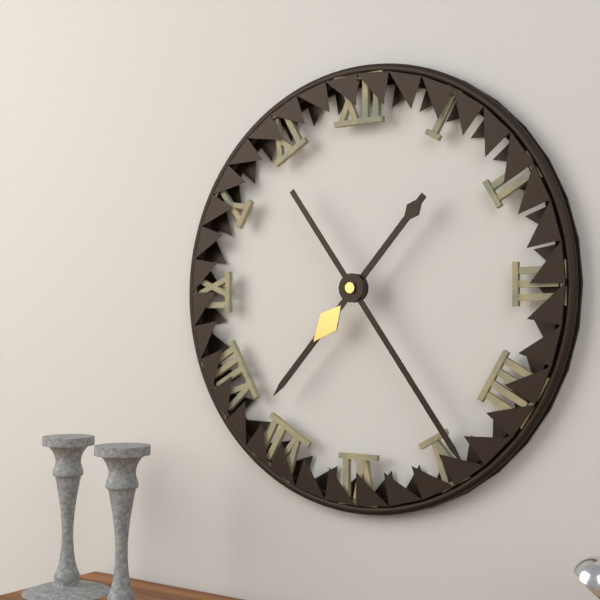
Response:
h=7 m=24
